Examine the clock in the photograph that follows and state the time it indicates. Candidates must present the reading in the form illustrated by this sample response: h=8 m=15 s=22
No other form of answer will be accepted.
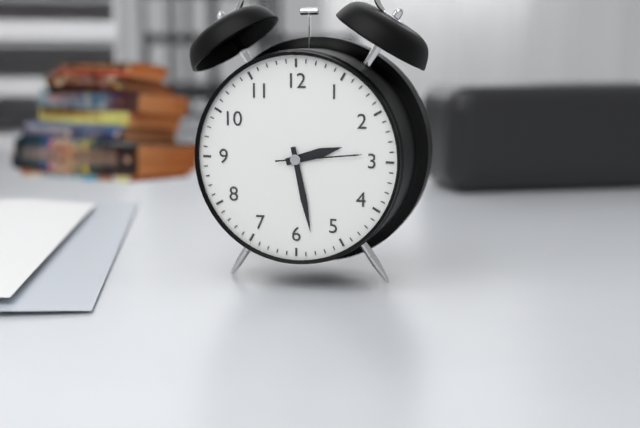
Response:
h=2 m=28 s=14
